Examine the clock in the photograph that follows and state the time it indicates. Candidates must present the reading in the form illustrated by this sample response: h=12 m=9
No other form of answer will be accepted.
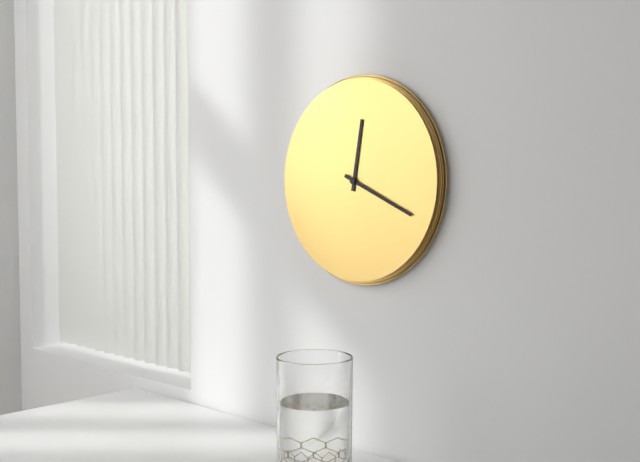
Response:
h=12 m=19
